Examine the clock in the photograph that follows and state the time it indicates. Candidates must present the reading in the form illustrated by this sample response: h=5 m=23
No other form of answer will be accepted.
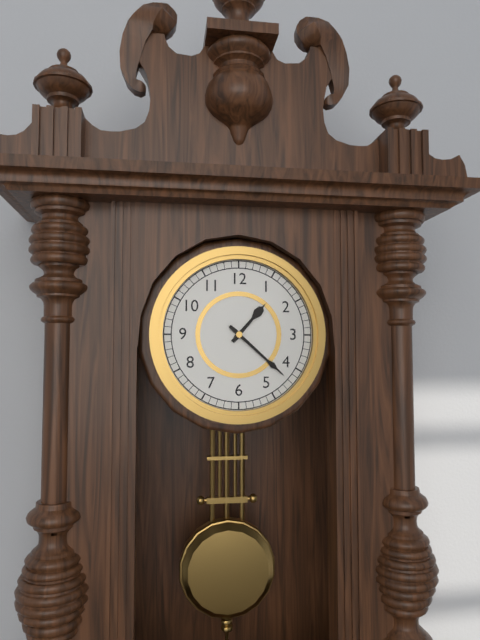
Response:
h=1 m=22
